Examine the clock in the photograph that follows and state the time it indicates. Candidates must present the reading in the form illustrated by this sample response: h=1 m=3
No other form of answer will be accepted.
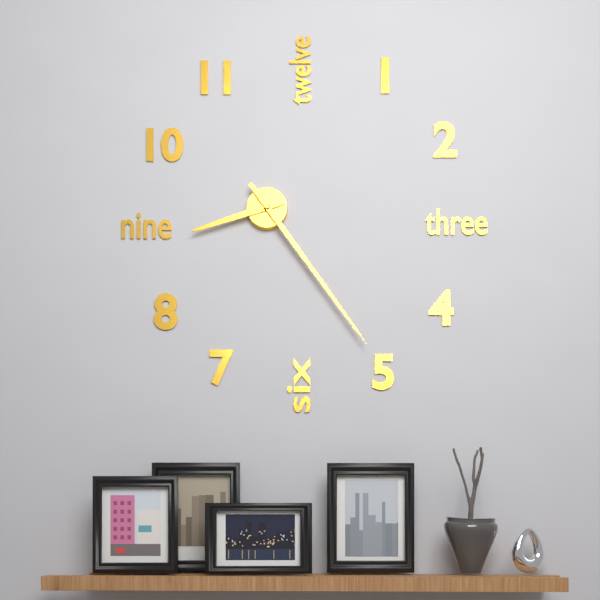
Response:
h=8 m=24
